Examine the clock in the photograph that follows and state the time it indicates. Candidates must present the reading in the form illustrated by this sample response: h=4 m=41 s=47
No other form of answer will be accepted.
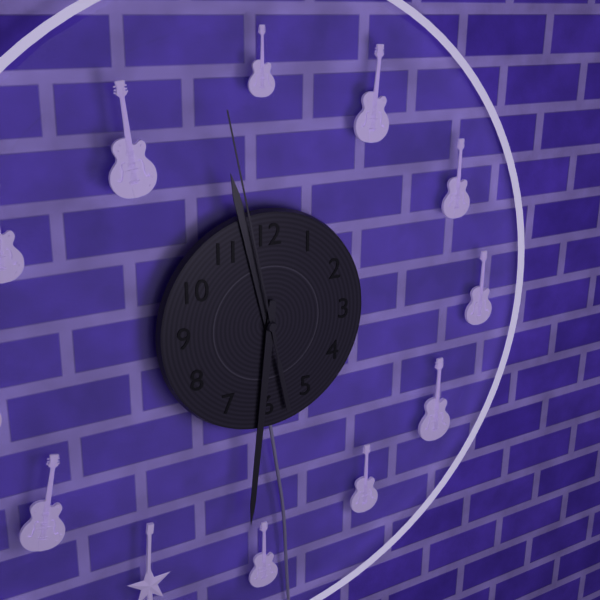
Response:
h=11 m=31 s=58
